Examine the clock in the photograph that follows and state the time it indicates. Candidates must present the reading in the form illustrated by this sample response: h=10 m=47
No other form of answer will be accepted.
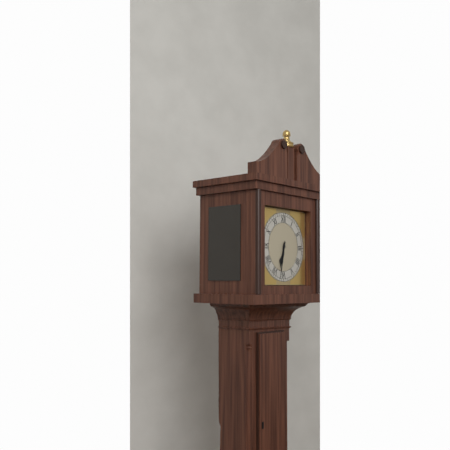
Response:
h=6 m=32
